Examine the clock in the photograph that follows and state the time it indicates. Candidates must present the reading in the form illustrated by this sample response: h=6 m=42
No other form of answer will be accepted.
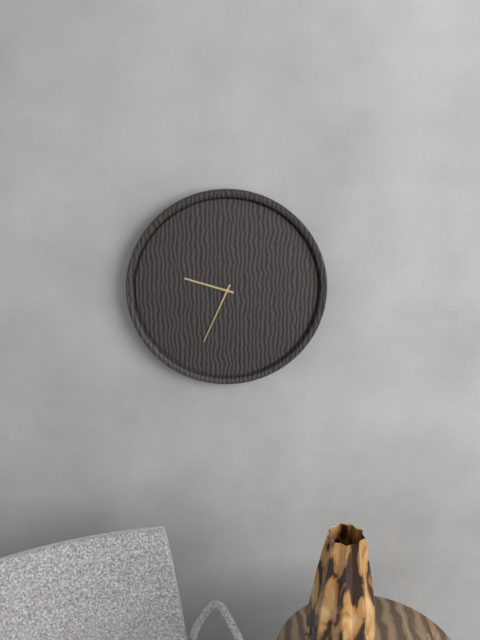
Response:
h=9 m=34
